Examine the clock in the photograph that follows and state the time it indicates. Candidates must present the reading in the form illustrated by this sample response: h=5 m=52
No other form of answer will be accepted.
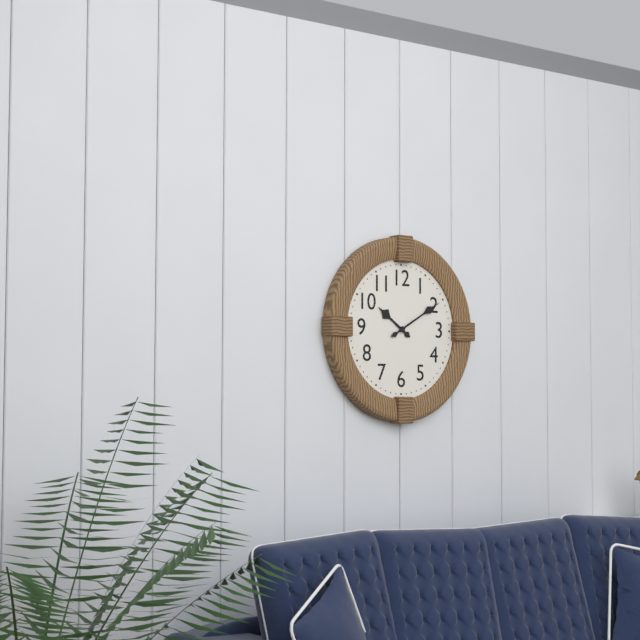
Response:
h=10 m=10
